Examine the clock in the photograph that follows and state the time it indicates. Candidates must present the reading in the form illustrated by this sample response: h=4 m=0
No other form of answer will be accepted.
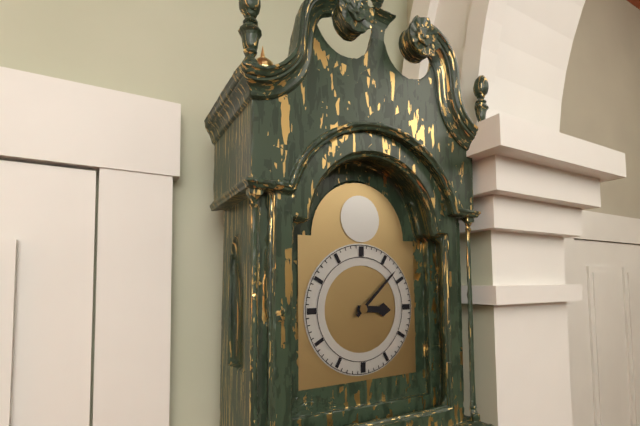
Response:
h=3 m=8
